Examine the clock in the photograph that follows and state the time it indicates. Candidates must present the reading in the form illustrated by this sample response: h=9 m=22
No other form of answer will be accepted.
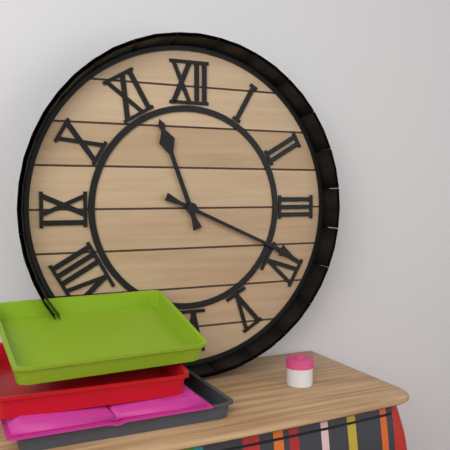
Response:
h=11 m=19
